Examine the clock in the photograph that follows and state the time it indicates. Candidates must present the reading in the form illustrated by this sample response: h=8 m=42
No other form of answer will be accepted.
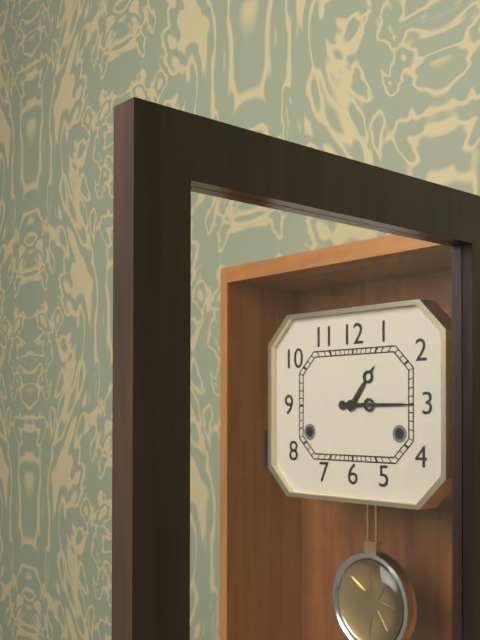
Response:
h=1 m=15
